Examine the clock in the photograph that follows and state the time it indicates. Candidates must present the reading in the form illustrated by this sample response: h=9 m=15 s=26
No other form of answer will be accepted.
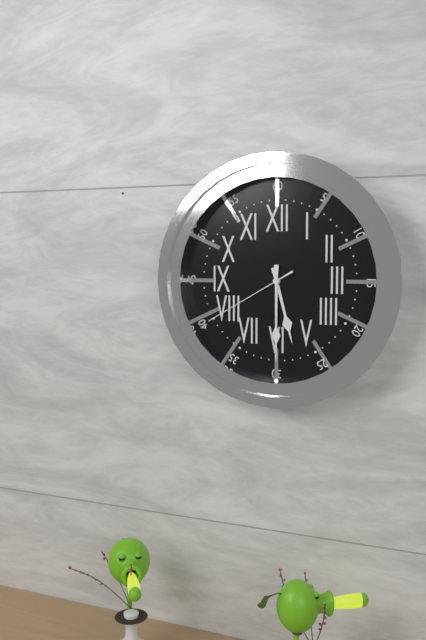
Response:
h=5 m=30 s=40
